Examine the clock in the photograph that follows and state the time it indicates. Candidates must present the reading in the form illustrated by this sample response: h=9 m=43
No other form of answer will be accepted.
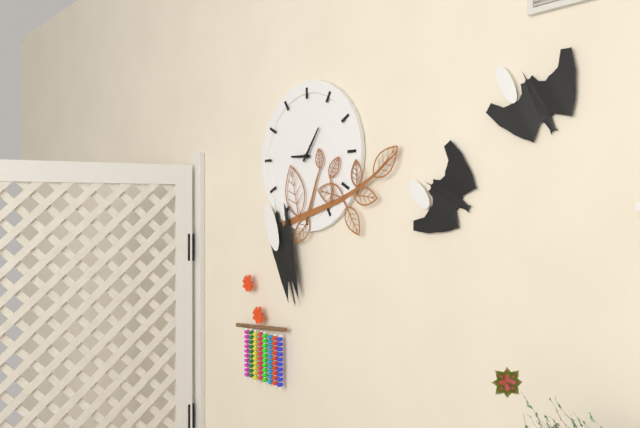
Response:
h=9 m=6
